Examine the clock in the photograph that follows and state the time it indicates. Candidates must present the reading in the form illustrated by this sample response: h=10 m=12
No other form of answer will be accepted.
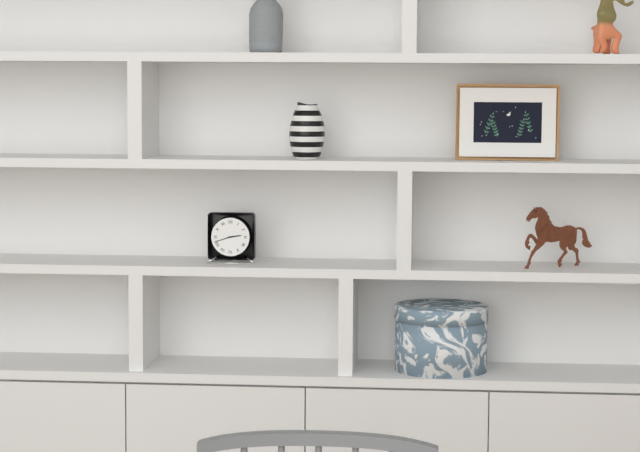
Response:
h=2 m=42
